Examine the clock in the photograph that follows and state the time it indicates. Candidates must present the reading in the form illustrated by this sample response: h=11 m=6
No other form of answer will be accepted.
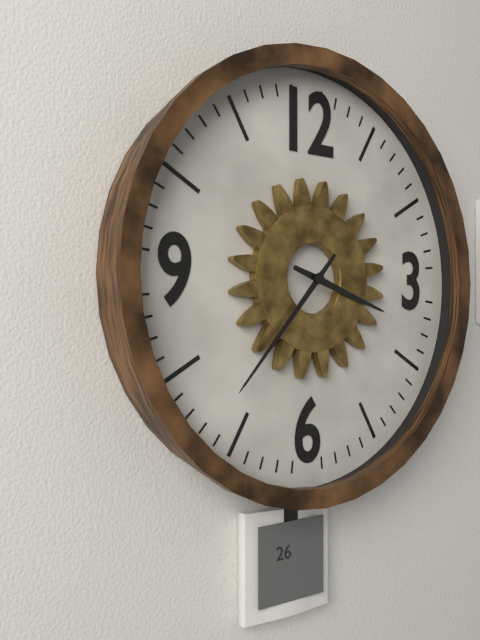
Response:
h=3 m=37
